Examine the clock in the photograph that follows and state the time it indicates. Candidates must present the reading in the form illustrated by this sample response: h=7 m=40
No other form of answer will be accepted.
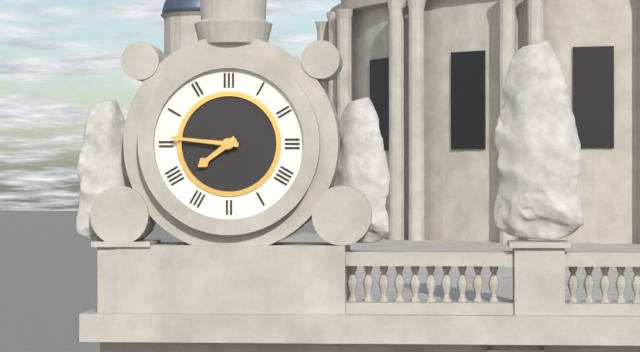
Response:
h=7 m=46
